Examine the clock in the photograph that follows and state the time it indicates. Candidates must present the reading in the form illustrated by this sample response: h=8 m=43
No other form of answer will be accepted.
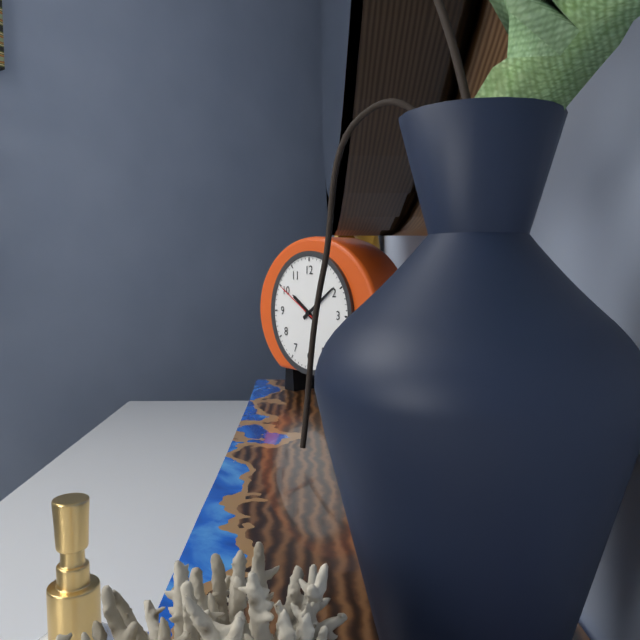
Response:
h=10 m=9
